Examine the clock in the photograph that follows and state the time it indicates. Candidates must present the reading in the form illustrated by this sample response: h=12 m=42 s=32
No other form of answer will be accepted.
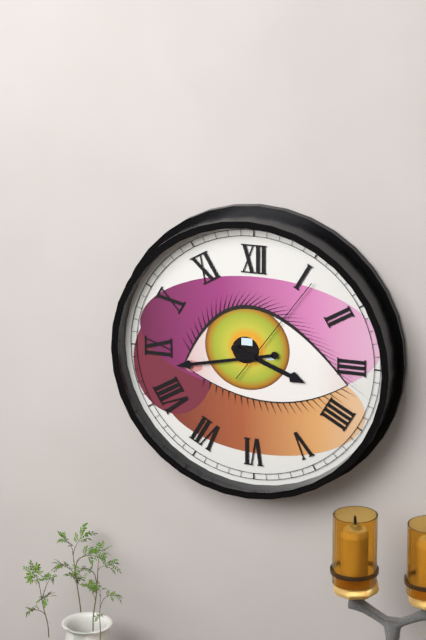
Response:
h=3 m=43 s=6
